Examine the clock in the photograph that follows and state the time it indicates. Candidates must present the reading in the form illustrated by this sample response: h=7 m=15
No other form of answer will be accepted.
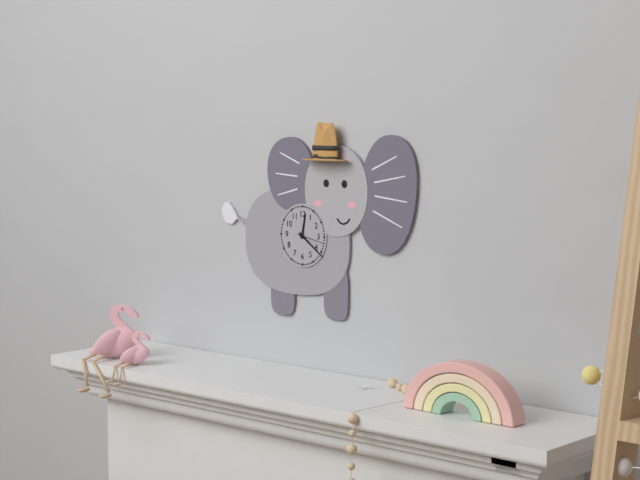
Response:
h=12 m=21
